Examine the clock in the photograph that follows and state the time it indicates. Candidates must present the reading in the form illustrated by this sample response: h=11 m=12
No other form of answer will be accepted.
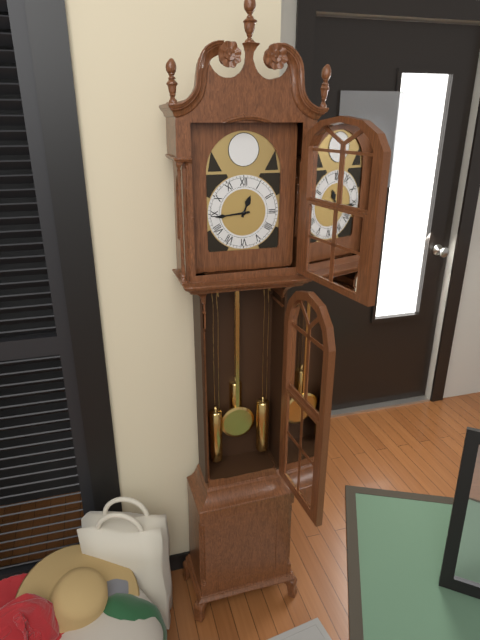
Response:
h=12 m=44
